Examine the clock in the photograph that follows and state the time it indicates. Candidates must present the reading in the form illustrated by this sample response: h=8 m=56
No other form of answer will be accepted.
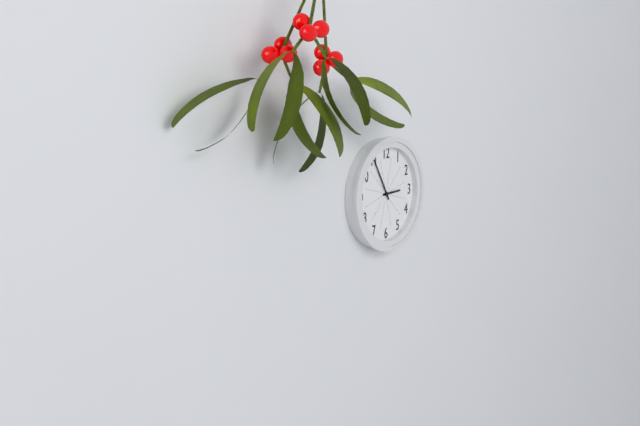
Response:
h=2 m=55
